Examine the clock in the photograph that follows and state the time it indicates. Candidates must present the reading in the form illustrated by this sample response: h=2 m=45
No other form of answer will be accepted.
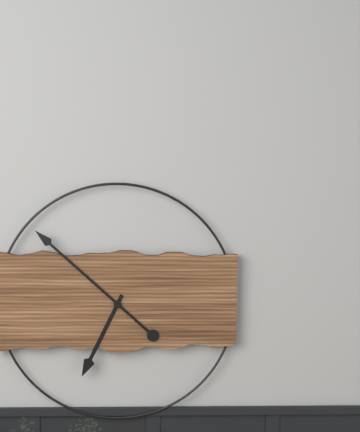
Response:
h=6 m=52
